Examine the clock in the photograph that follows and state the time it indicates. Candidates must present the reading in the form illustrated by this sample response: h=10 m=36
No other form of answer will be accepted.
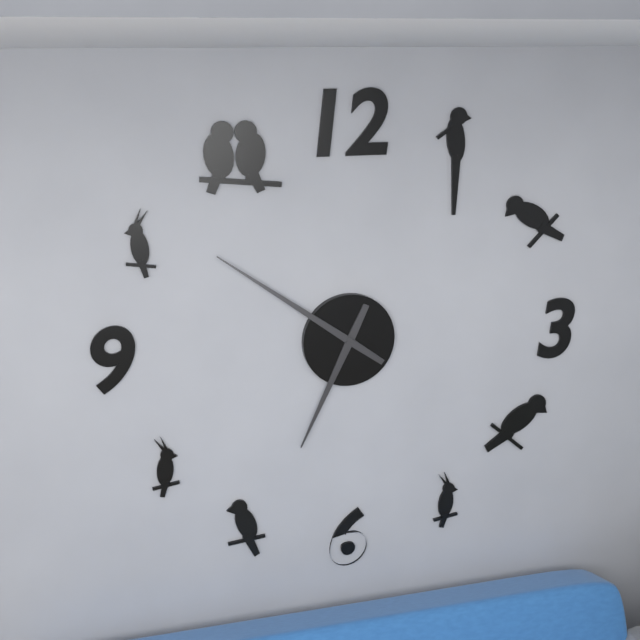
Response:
h=6 m=51
